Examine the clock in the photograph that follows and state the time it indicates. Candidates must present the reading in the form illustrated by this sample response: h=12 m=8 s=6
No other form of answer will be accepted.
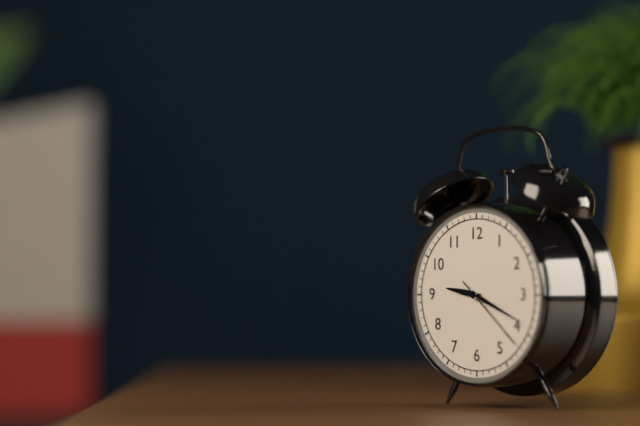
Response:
h=9 m=19 s=22
